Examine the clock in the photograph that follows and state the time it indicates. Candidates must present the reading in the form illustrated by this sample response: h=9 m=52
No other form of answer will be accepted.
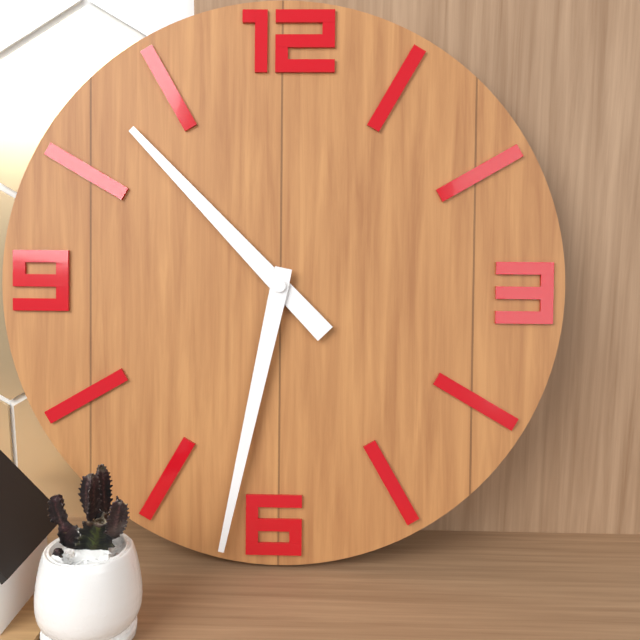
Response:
h=10 m=32
